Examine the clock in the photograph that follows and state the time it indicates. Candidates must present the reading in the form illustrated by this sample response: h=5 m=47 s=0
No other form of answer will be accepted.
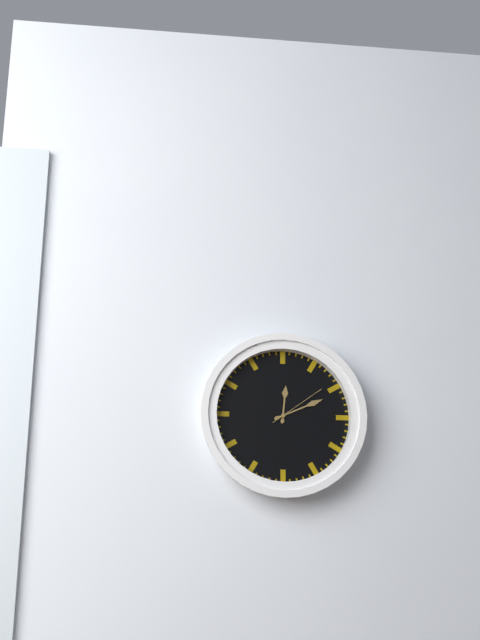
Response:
h=12 m=11 s=9
